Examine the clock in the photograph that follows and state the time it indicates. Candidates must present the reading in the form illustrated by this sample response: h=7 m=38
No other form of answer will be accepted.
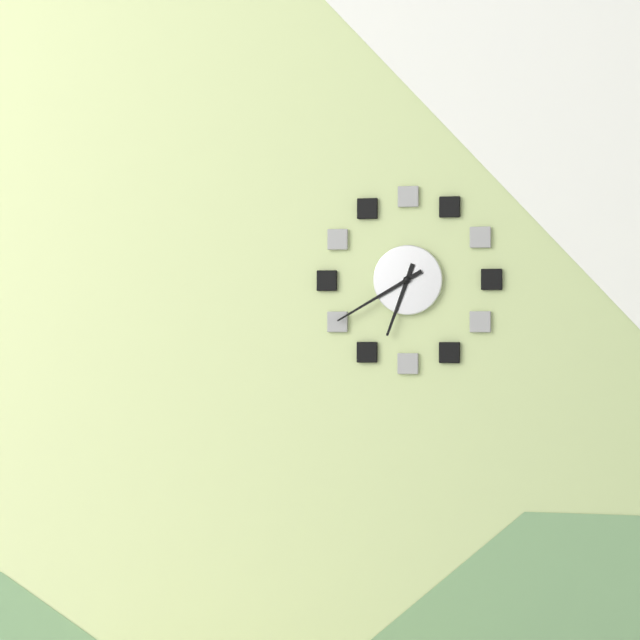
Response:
h=6 m=40
